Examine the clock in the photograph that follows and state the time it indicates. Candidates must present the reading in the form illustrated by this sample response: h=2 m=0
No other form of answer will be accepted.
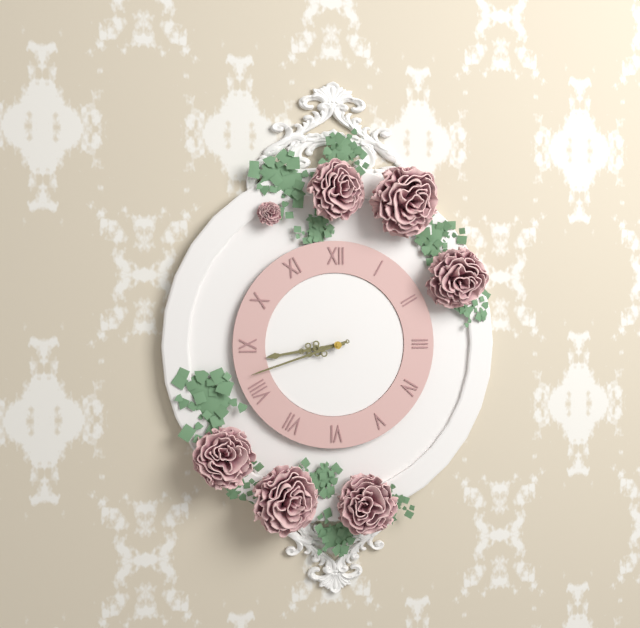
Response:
h=8 m=42
